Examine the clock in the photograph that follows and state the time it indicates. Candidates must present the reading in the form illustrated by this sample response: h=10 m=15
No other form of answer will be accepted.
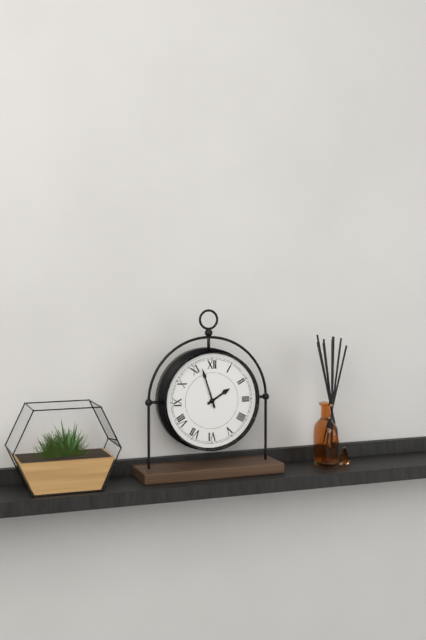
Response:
h=1 m=57
